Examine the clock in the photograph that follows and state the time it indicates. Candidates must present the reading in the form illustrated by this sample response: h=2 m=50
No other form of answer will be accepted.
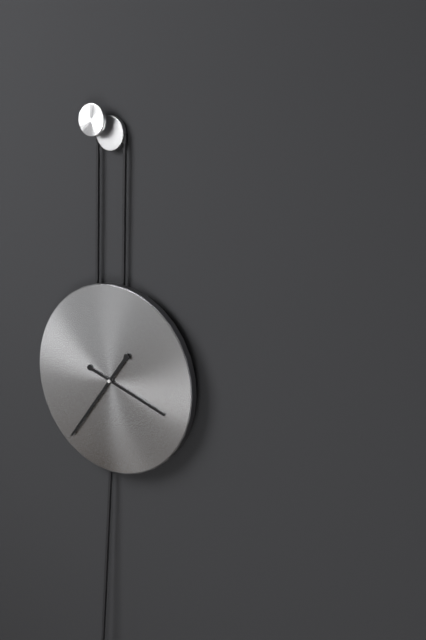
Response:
h=3 m=36
